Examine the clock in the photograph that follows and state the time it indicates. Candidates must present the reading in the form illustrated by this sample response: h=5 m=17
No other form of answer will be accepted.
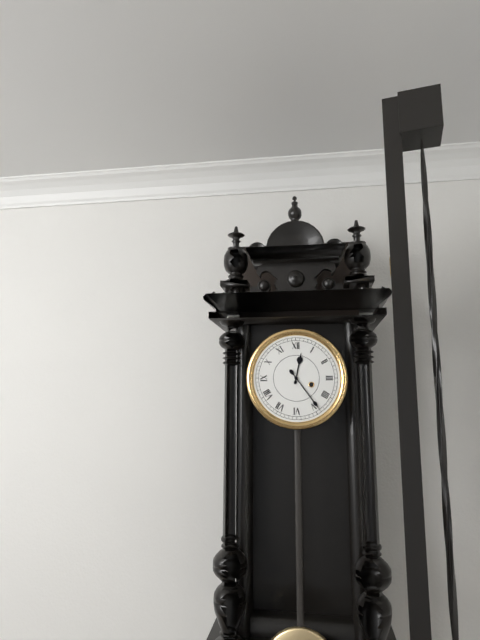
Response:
h=12 m=24
